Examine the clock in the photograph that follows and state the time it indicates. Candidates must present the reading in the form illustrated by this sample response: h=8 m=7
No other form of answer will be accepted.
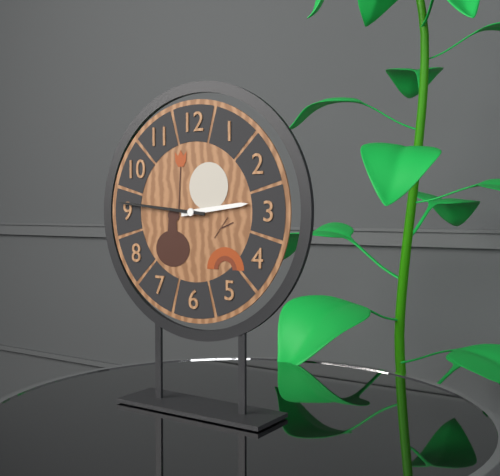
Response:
h=2 m=46
